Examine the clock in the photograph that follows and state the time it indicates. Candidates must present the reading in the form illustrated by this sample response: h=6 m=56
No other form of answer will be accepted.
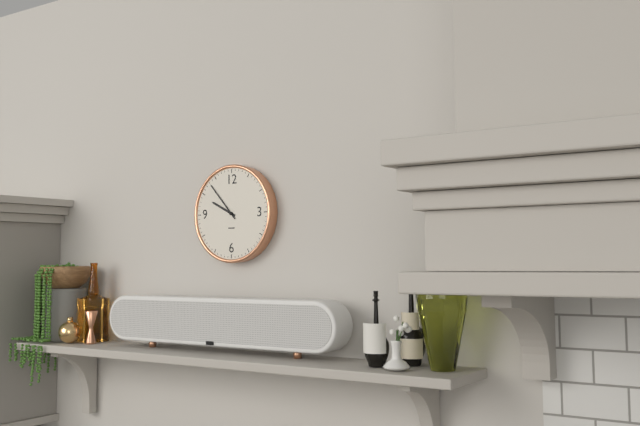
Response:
h=9 m=53
